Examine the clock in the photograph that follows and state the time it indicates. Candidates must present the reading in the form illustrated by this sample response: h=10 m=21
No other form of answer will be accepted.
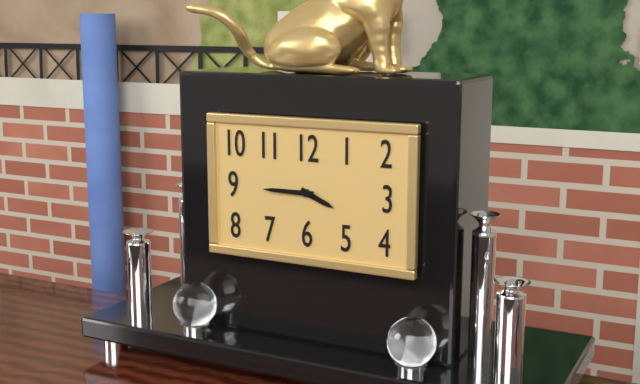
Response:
h=3 m=45
